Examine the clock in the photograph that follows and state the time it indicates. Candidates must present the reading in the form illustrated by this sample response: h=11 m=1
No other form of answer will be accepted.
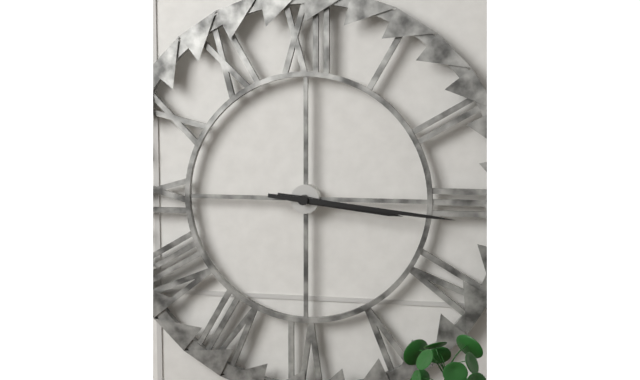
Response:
h=3 m=16
